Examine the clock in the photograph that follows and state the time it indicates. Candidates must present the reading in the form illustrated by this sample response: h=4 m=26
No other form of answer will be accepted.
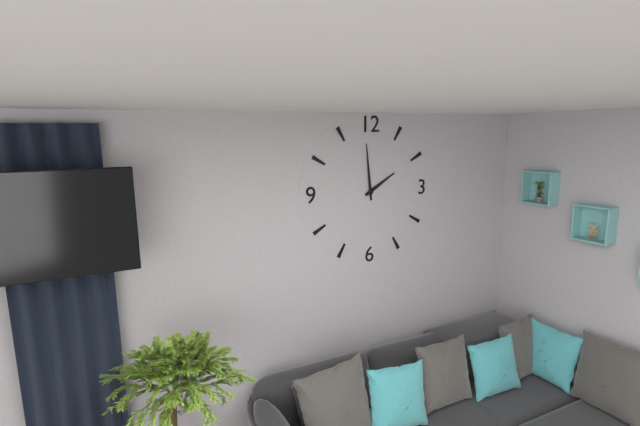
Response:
h=1 m=59
